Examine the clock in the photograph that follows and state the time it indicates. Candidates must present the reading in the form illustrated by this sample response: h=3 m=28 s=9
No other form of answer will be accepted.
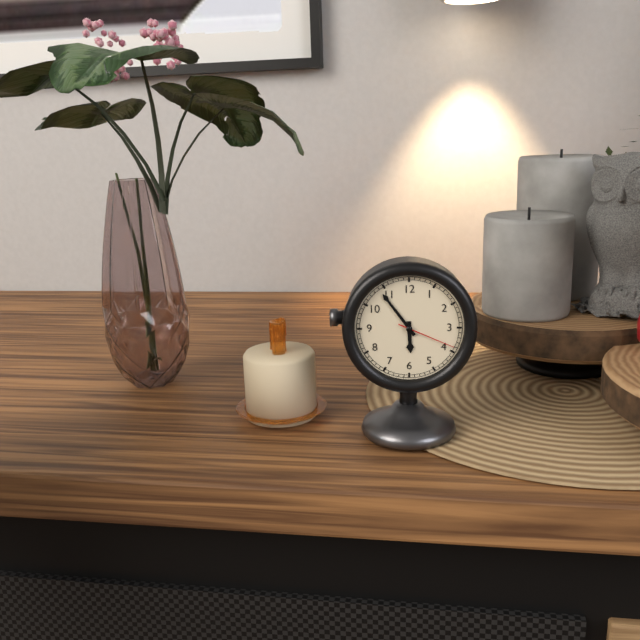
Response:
h=5 m=54 s=19
